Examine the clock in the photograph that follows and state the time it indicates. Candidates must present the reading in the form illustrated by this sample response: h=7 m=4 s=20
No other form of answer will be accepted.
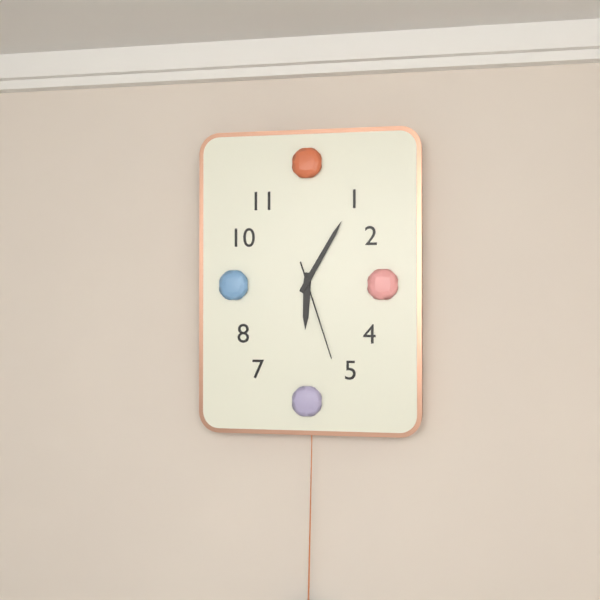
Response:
h=6 m=5 s=27
